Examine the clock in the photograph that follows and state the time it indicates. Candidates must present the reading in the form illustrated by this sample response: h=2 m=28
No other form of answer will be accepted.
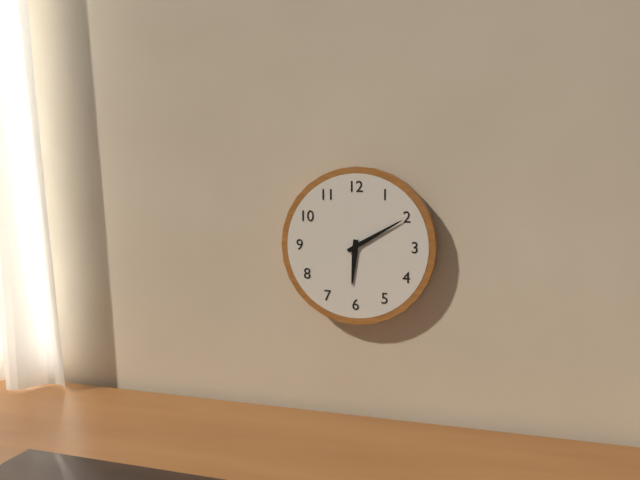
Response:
h=6 m=10
